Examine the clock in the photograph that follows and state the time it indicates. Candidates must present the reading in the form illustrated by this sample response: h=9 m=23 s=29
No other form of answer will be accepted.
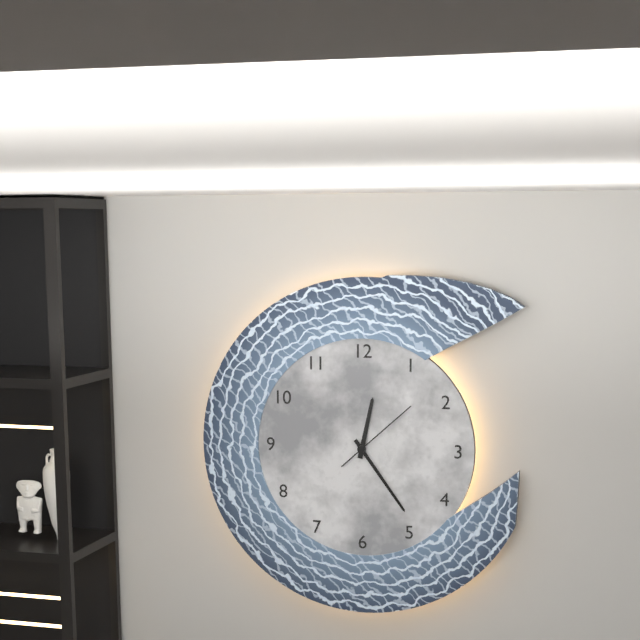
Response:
h=12 m=24 s=8
